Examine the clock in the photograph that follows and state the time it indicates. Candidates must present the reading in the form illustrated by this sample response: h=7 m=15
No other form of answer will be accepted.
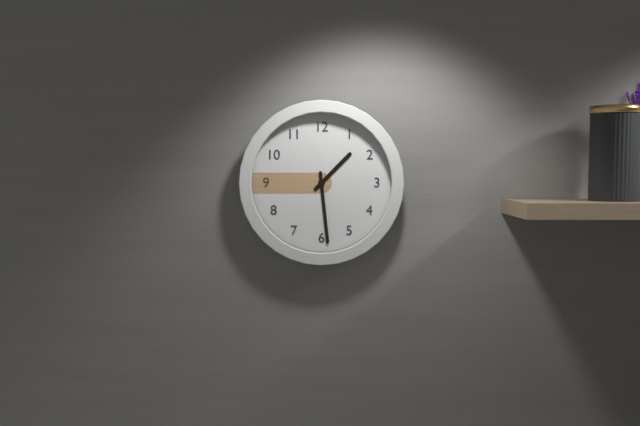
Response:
h=1 m=29
